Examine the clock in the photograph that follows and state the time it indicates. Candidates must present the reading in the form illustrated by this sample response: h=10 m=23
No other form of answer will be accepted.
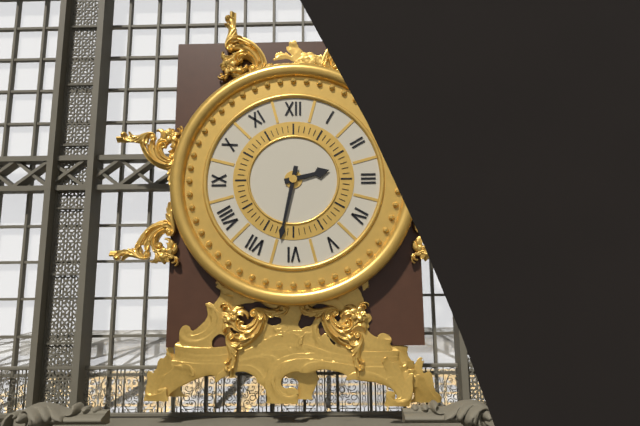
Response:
h=2 m=32
